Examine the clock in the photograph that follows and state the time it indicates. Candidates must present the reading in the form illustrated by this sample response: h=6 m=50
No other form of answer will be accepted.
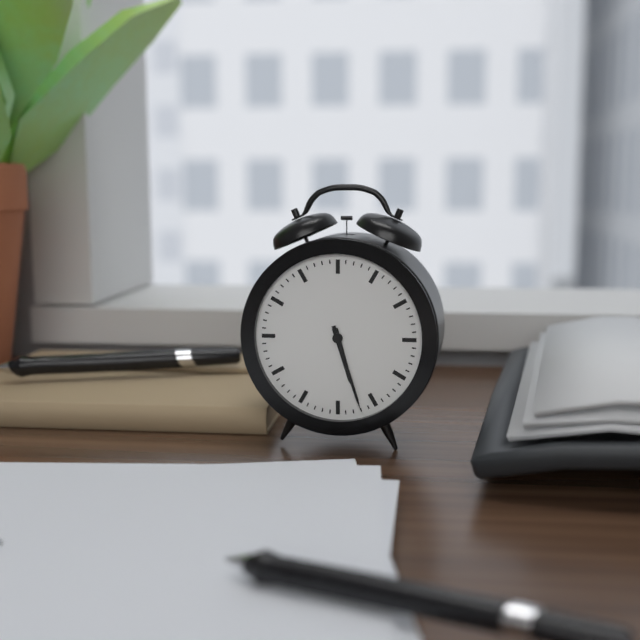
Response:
h=5 m=27
